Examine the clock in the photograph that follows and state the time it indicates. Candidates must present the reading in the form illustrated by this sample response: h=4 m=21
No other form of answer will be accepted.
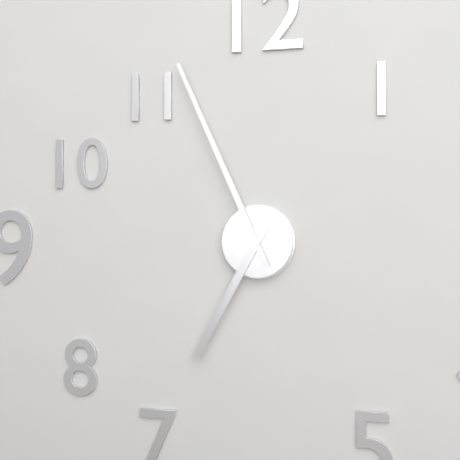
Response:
h=6 m=56
